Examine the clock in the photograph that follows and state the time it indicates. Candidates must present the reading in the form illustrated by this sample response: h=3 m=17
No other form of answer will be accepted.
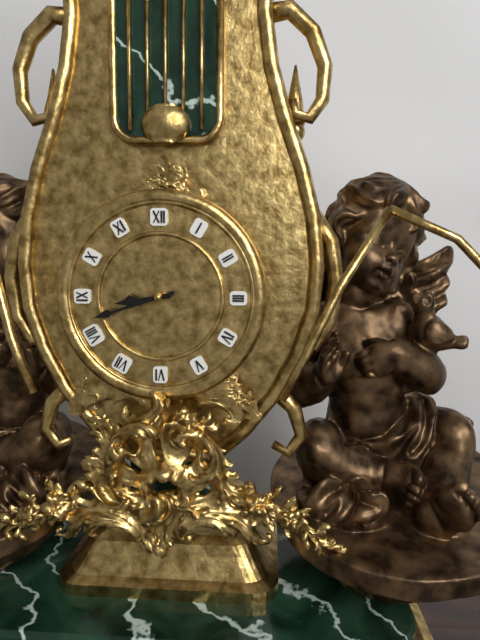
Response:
h=8 m=42
